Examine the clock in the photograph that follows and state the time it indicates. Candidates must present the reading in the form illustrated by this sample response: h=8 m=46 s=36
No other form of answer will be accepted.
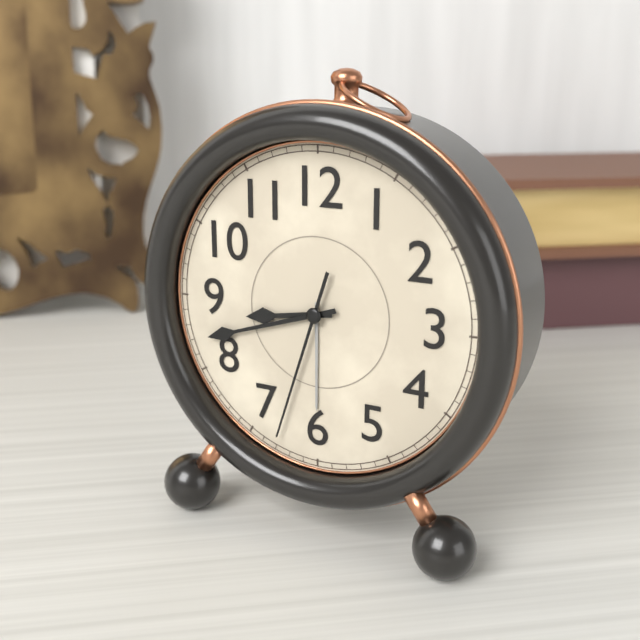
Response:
h=8 m=42 s=33
